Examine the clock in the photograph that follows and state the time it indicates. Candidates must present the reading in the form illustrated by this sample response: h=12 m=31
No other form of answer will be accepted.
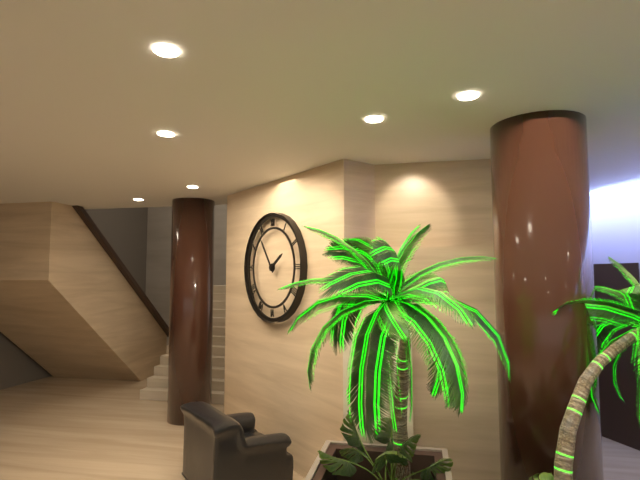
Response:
h=1 m=54
